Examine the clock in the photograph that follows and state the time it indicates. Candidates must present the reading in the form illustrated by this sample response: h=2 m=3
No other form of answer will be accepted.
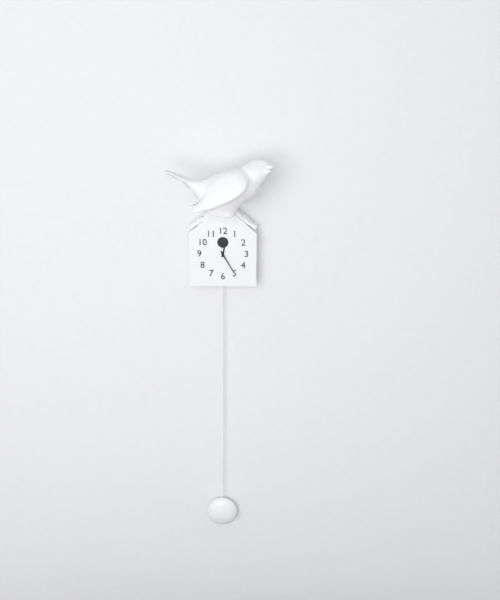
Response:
h=12 m=25
